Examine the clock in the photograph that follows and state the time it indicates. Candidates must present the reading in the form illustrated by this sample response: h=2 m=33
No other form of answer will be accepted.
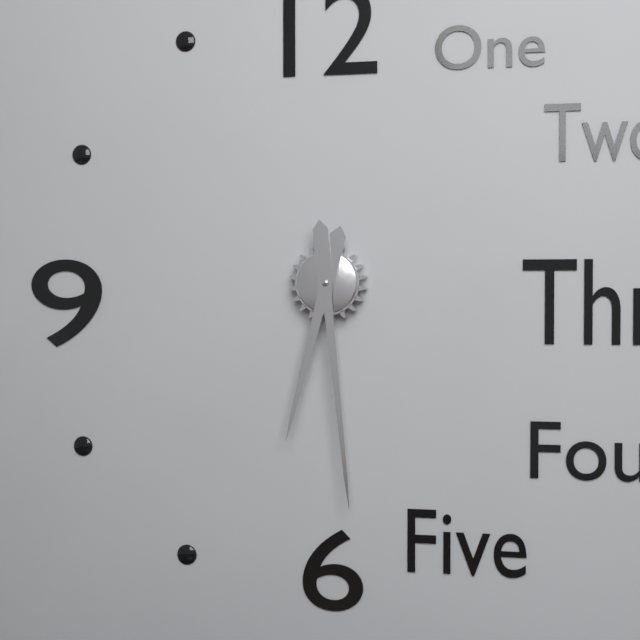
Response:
h=6 m=29
